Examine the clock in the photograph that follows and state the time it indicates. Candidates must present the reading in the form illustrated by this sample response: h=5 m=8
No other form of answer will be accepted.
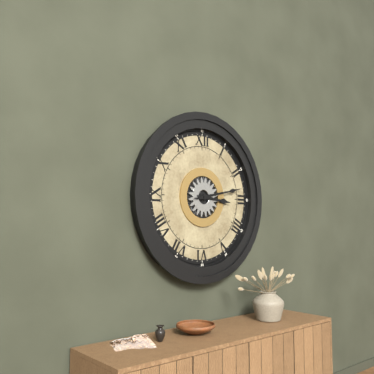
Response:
h=3 m=13
